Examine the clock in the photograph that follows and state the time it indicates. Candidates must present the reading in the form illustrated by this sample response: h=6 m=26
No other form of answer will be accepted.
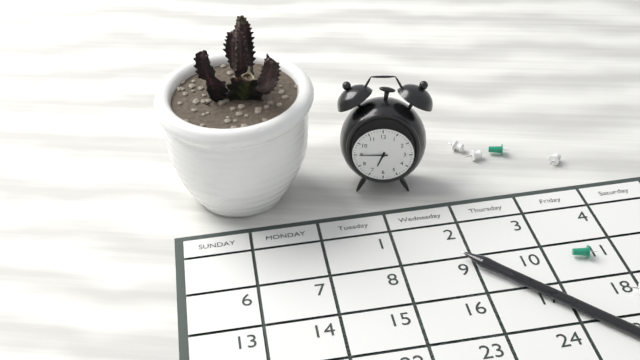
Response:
h=6 m=45
